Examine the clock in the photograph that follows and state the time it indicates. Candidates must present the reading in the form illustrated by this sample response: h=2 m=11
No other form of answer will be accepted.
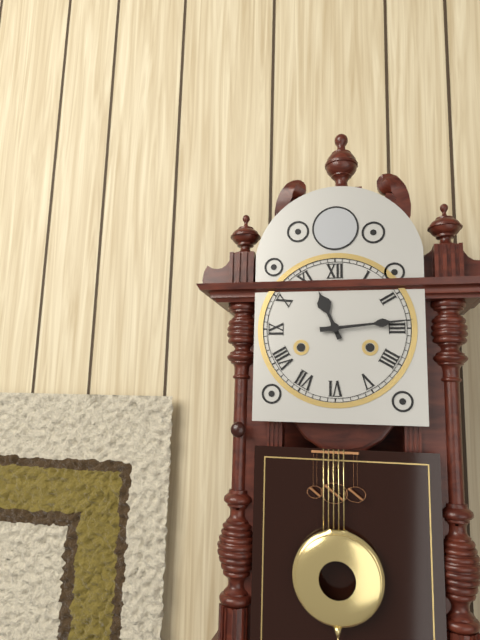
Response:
h=11 m=14
